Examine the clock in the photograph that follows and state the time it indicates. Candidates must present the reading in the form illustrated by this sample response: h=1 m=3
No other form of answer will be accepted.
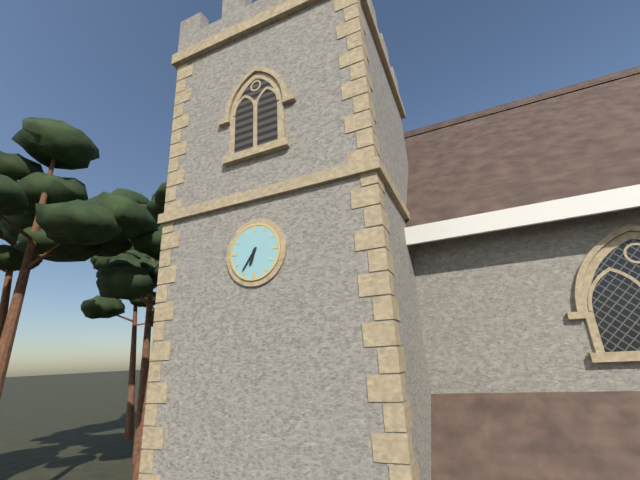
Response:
h=6 m=36
